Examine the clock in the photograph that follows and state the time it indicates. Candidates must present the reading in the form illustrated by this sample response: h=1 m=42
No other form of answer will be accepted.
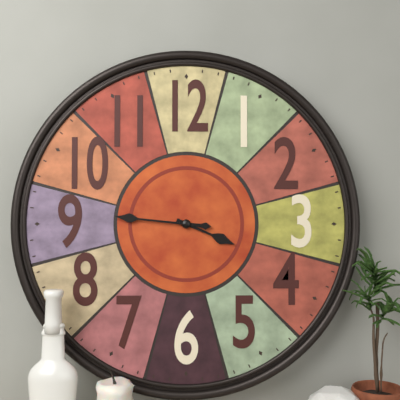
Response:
h=3 m=46
